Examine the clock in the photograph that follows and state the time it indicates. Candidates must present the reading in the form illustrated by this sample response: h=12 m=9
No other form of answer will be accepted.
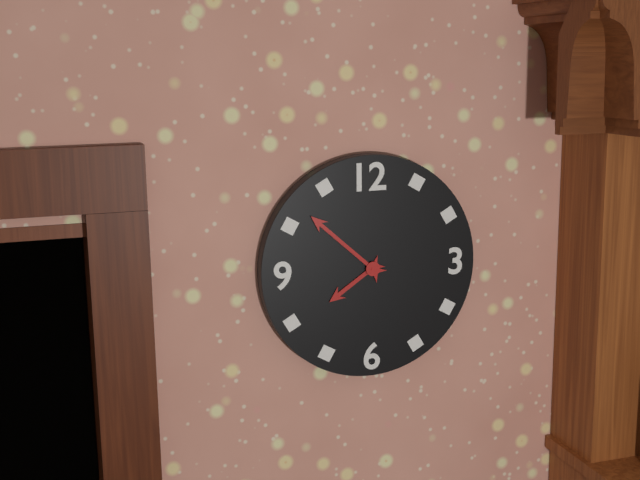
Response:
h=7 m=52
